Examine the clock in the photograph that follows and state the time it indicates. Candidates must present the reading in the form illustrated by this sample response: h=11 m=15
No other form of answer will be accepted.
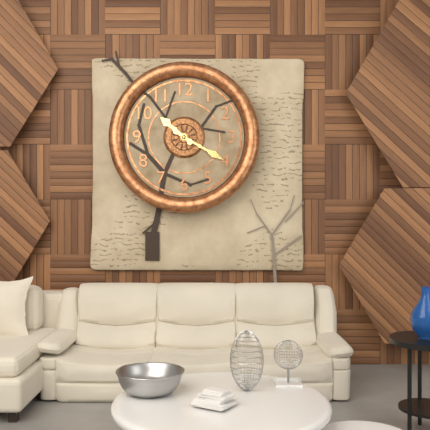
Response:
h=10 m=20
